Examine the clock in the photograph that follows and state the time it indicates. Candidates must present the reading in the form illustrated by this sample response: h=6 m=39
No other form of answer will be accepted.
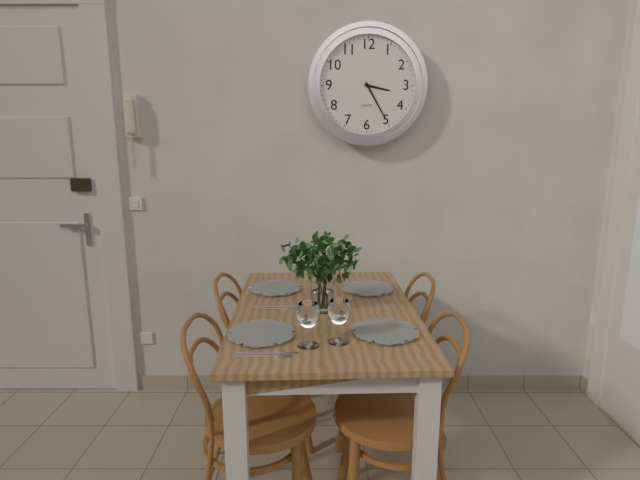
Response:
h=3 m=25
